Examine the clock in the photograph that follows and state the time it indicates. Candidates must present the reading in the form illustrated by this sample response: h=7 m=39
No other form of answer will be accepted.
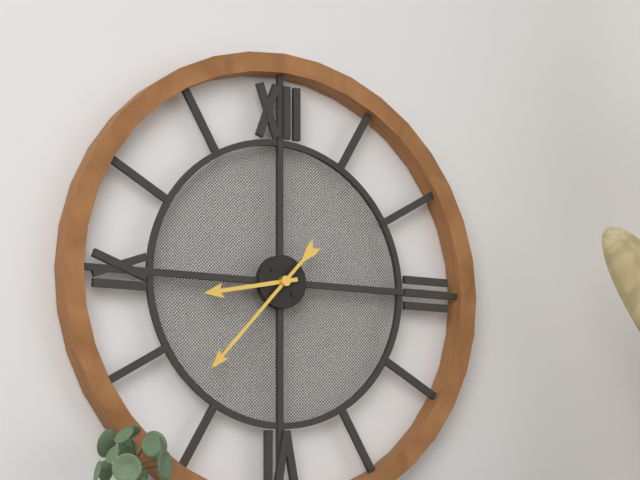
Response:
h=8 m=37
